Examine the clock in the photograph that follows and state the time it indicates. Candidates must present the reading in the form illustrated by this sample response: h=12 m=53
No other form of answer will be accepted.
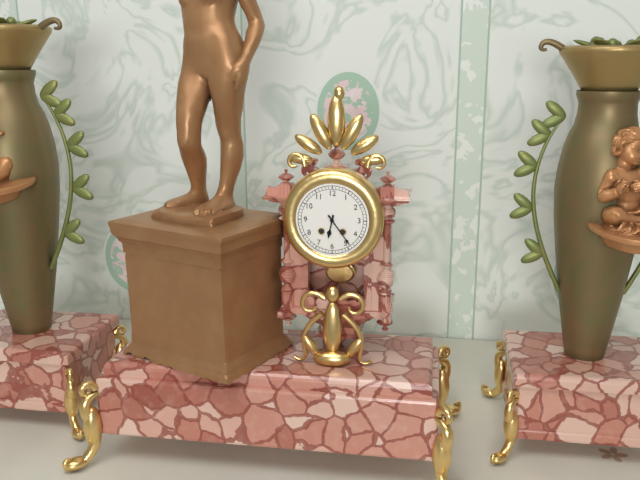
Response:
h=6 m=24
